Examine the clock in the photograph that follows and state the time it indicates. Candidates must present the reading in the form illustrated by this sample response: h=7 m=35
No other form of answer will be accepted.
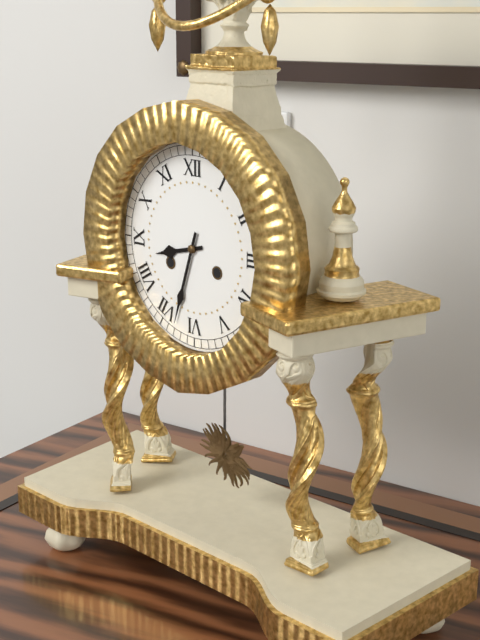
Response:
h=8 m=33
